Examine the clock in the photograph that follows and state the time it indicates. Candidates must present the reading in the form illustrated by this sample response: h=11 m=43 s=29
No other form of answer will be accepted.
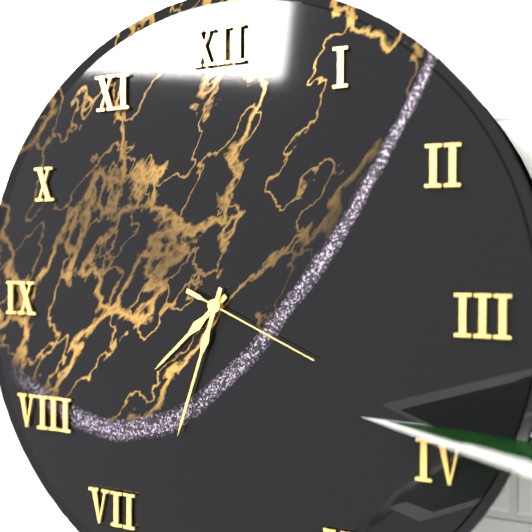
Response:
h=7 m=33 s=19
